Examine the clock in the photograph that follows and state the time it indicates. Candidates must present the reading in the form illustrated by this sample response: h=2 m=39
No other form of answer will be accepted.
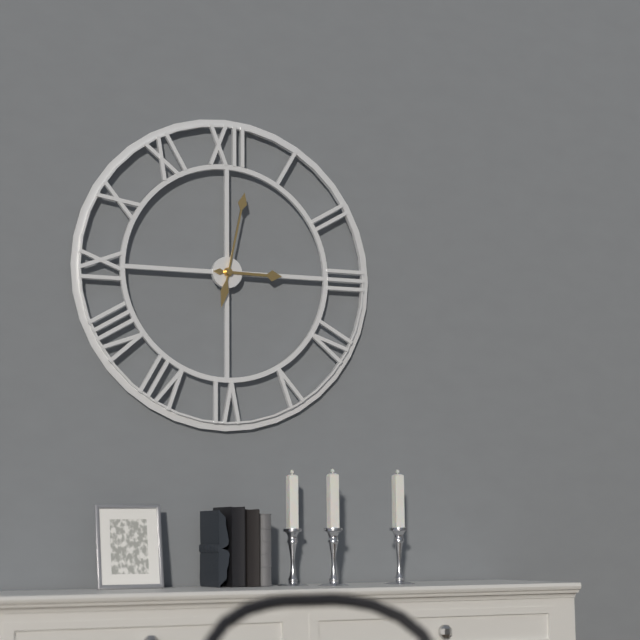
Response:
h=3 m=2
